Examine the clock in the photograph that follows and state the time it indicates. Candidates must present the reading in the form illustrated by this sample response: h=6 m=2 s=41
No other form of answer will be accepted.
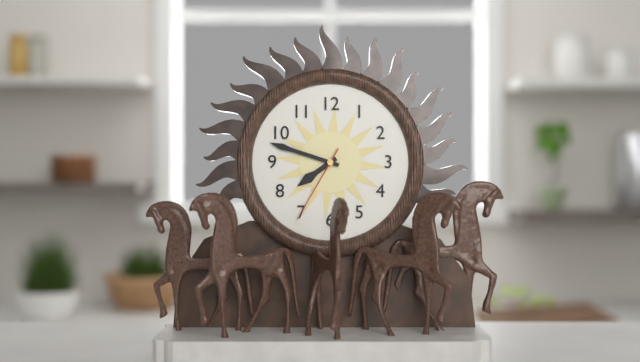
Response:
h=7 m=48 s=35
